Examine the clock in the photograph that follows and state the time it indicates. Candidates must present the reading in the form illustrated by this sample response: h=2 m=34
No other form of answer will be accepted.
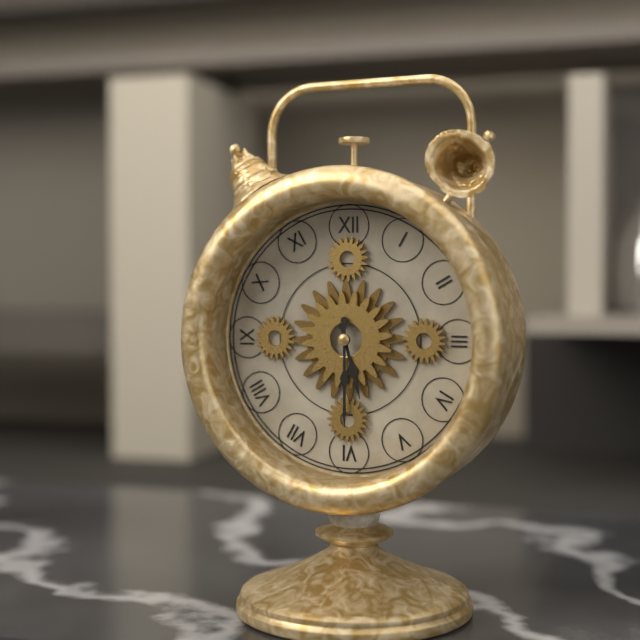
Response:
h=5 m=30
